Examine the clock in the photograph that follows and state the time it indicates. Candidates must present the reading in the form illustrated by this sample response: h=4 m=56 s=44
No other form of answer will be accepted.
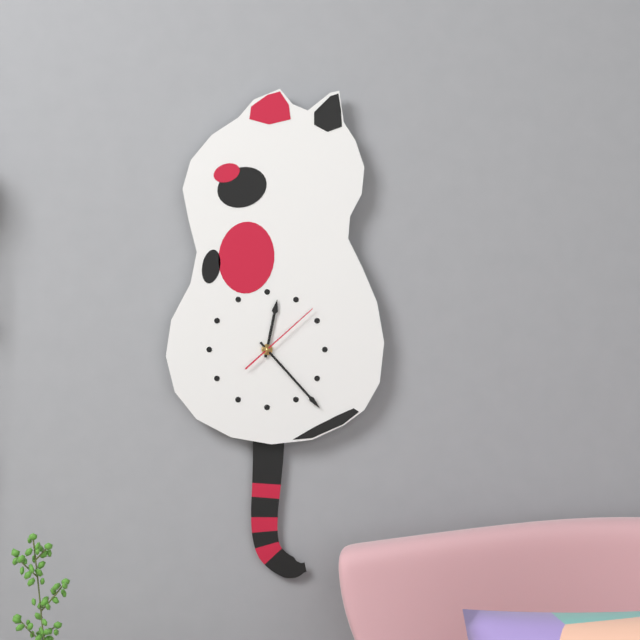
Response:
h=12 m=23 s=8
